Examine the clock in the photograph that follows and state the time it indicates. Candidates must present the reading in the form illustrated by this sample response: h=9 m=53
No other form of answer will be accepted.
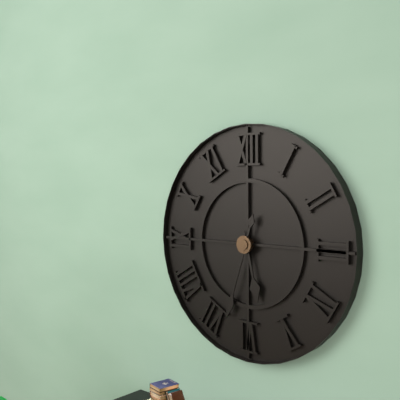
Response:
h=5 m=33
